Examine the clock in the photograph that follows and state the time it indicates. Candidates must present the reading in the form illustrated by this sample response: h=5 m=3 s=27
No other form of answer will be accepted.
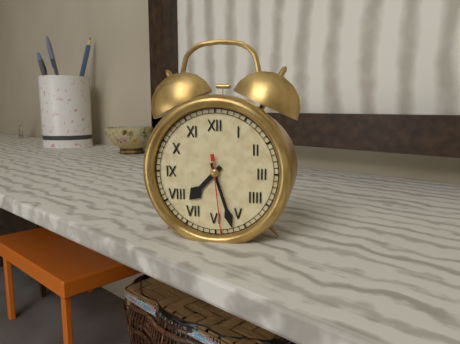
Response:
h=7 m=27 s=29
